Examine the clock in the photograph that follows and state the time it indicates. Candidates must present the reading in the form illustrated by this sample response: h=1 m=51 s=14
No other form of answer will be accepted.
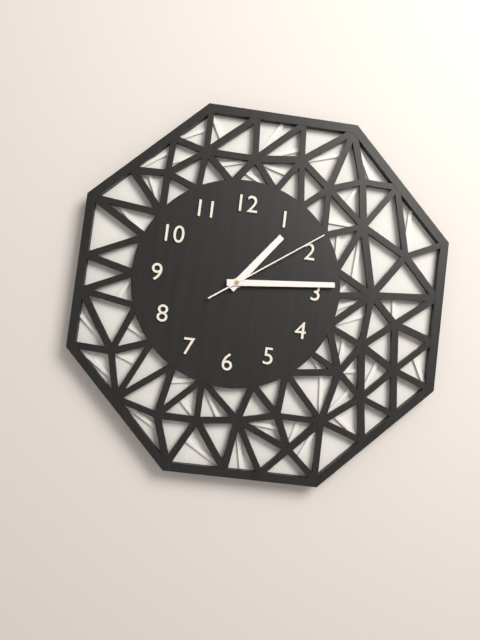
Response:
h=1 m=14 s=9
